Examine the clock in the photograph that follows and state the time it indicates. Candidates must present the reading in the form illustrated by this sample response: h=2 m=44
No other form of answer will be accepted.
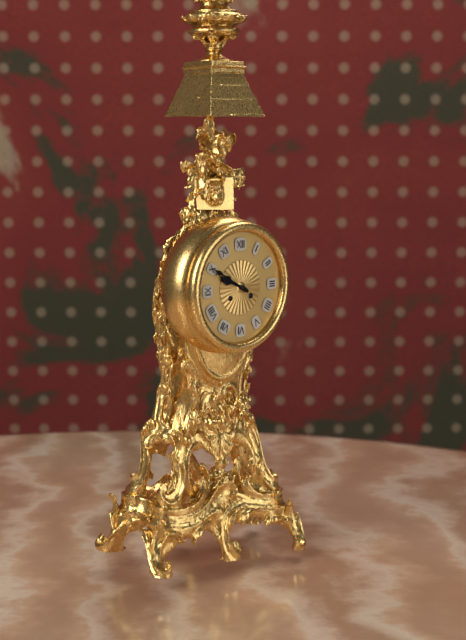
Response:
h=9 m=50
